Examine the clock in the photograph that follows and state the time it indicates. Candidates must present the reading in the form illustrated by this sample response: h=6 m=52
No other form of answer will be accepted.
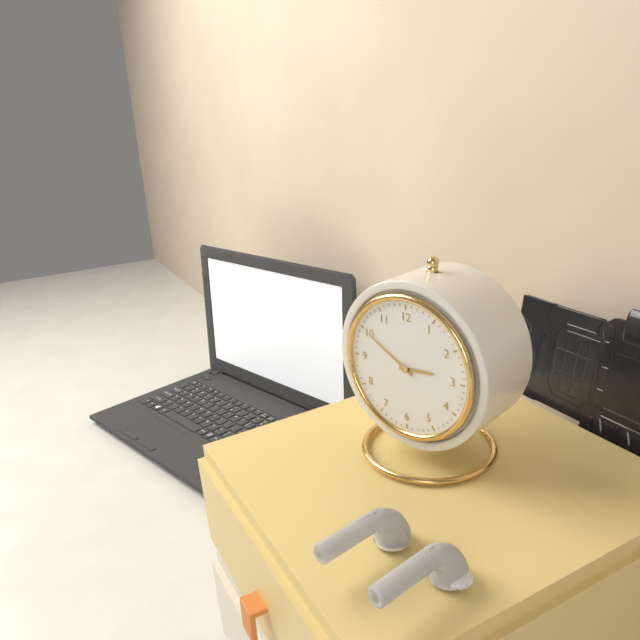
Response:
h=2 m=50
